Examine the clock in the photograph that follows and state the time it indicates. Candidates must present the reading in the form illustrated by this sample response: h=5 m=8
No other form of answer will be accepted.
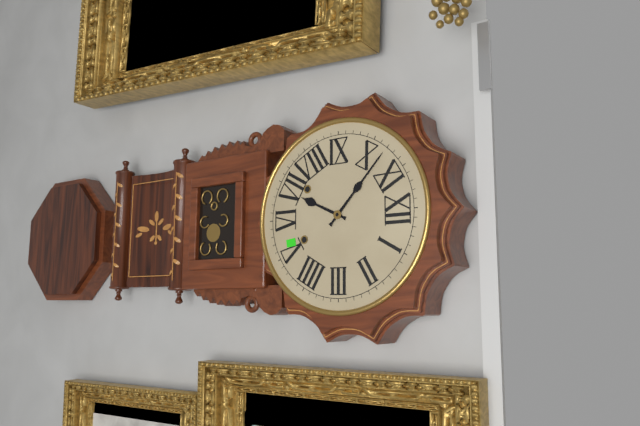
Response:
h=6 m=52
